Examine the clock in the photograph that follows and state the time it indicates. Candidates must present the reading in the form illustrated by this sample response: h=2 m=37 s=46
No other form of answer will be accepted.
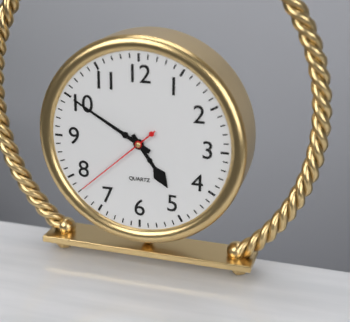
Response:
h=4 m=50 s=38
